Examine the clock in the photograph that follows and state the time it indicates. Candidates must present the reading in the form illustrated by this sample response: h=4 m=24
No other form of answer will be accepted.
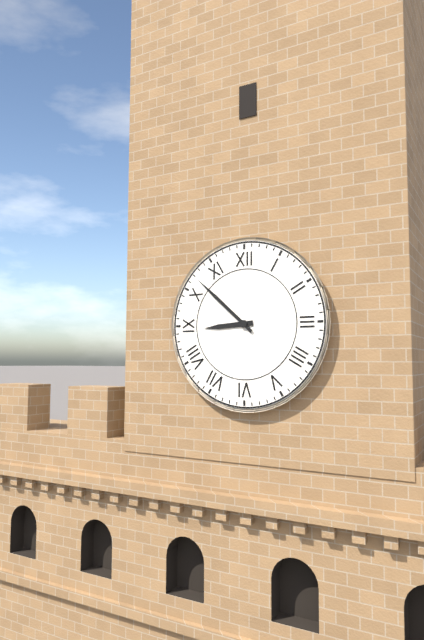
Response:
h=8 m=52
